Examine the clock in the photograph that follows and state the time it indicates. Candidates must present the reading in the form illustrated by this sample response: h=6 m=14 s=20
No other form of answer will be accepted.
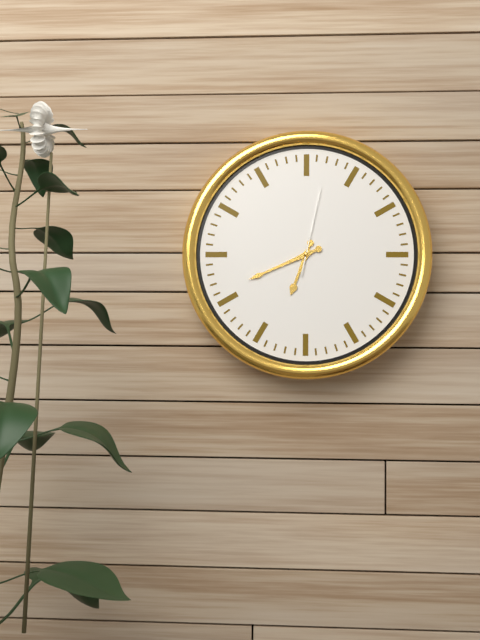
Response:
h=6 m=41 s=2
